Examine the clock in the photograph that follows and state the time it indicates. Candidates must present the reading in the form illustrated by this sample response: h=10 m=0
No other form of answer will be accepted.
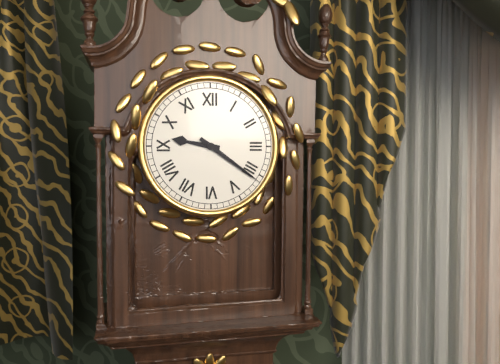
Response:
h=9 m=21
